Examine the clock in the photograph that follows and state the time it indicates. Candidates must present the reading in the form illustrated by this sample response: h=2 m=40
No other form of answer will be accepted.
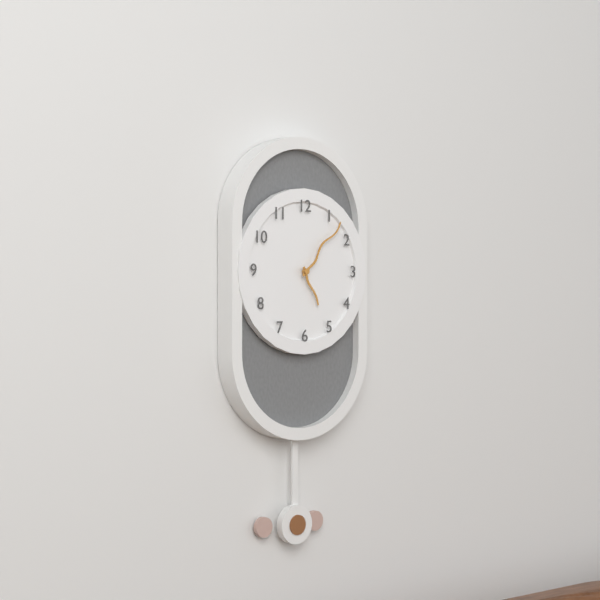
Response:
h=5 m=7
